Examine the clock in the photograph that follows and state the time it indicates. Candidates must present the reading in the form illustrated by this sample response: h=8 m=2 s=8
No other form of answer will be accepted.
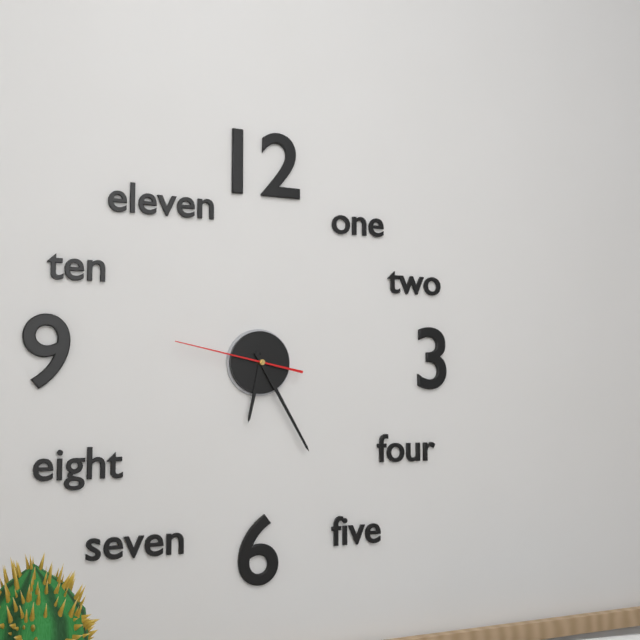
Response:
h=6 m=25 s=47
